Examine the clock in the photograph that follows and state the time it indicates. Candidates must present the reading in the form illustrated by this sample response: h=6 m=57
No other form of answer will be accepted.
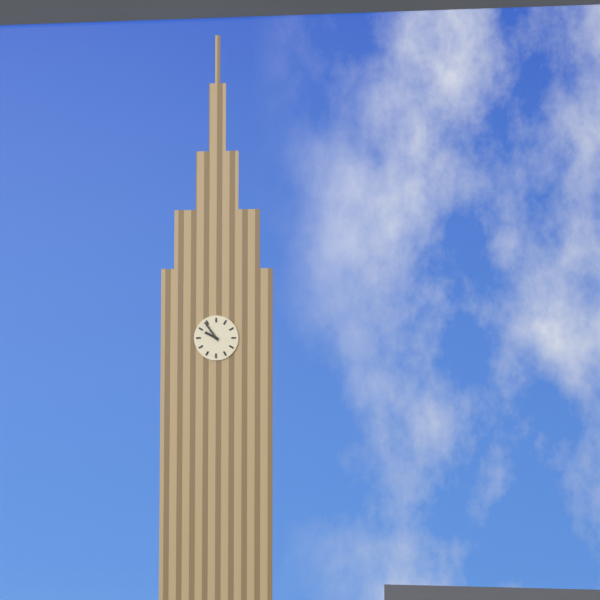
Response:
h=9 m=54
